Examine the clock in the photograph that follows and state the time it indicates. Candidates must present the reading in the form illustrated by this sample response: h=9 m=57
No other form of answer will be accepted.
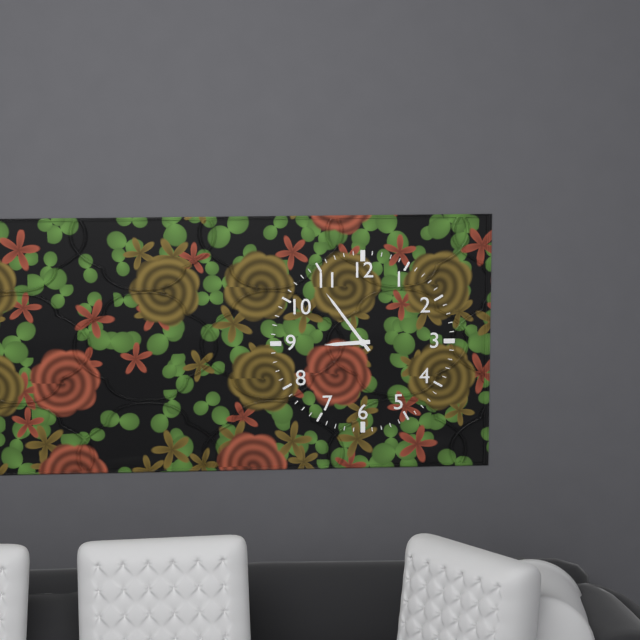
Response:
h=8 m=54
